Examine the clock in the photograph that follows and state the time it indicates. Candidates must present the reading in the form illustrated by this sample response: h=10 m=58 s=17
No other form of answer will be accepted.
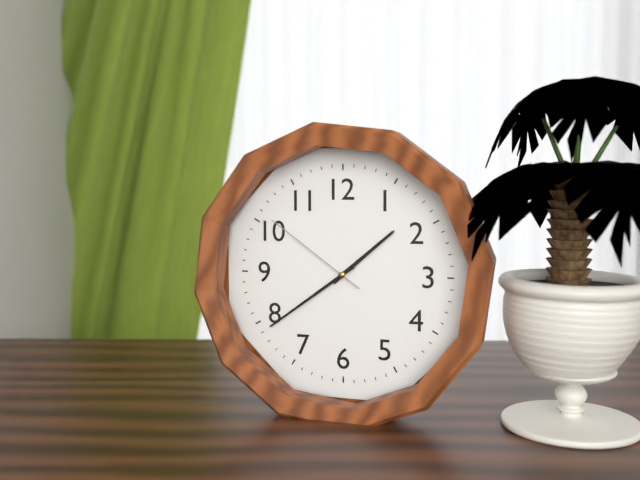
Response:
h=1 m=39 s=51
